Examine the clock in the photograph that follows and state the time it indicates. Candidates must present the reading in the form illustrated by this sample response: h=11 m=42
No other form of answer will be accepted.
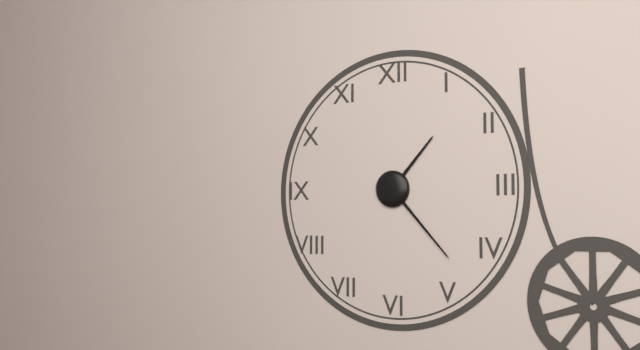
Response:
h=1 m=23
